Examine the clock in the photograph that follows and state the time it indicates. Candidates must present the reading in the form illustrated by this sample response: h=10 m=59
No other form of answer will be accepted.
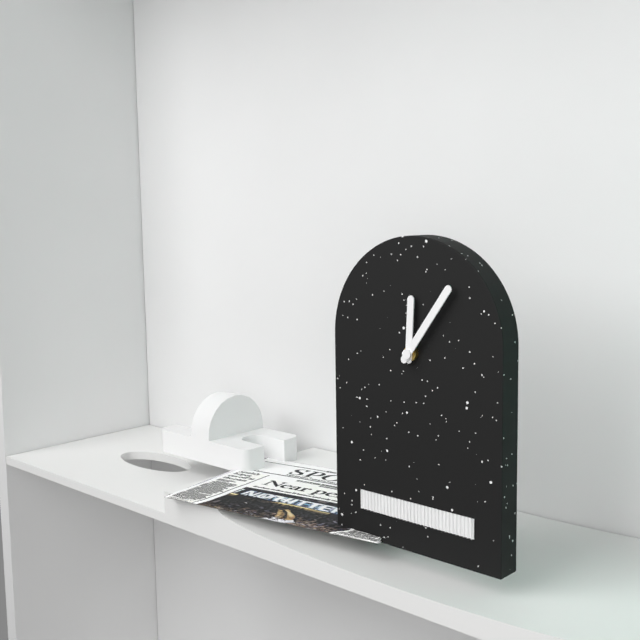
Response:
h=12 m=6
